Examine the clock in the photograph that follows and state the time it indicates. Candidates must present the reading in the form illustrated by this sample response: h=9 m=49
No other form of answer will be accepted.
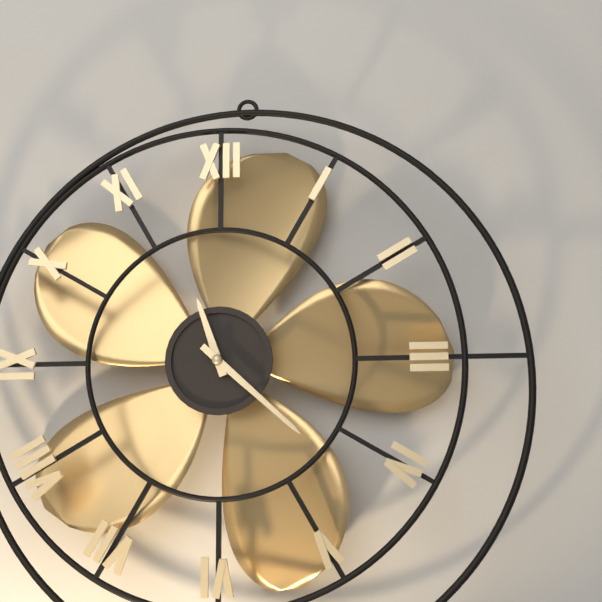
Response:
h=11 m=22
